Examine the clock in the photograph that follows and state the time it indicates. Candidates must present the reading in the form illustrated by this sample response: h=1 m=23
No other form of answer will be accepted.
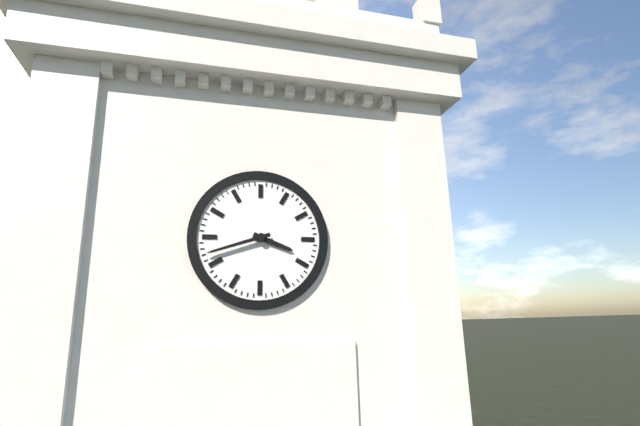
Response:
h=3 m=42
